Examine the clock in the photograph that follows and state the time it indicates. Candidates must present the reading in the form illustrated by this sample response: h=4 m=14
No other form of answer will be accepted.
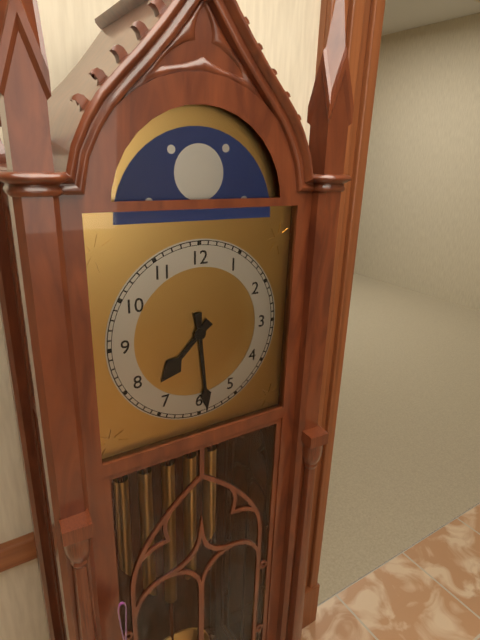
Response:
h=7 m=29
